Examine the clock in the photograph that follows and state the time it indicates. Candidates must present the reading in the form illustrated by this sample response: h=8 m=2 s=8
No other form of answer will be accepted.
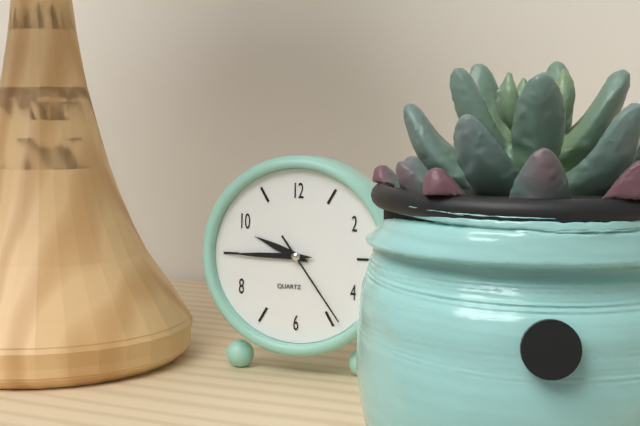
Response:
h=9 m=45 s=24
